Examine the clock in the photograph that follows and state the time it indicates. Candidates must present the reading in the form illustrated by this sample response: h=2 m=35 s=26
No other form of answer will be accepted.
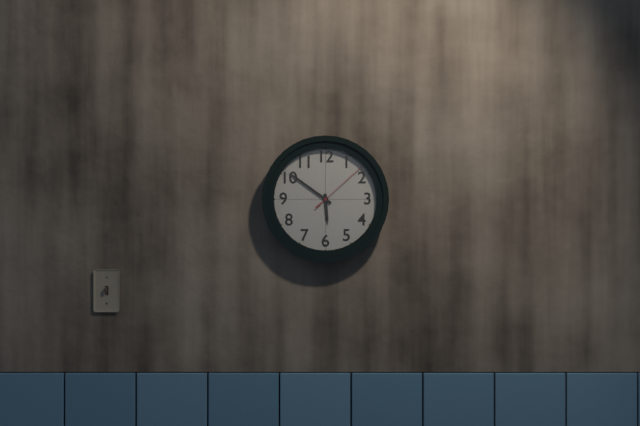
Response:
h=5 m=51 s=8
